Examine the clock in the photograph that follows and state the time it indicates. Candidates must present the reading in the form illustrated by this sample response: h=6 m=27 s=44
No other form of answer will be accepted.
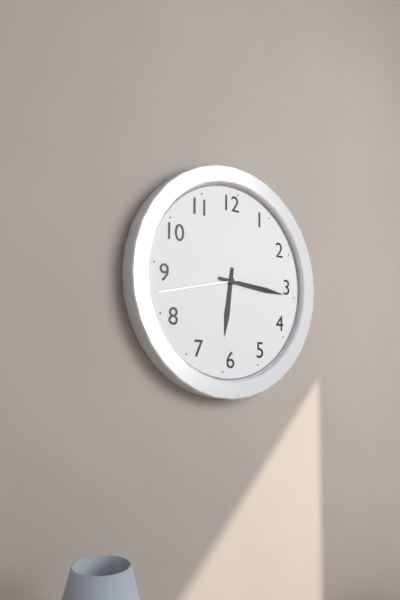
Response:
h=6 m=16 s=43
